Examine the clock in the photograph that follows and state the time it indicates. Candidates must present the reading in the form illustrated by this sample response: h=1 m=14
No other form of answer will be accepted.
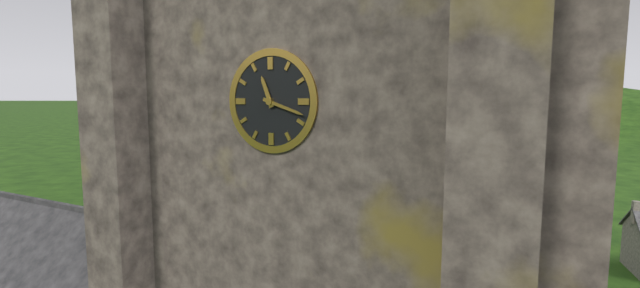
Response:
h=11 m=18
